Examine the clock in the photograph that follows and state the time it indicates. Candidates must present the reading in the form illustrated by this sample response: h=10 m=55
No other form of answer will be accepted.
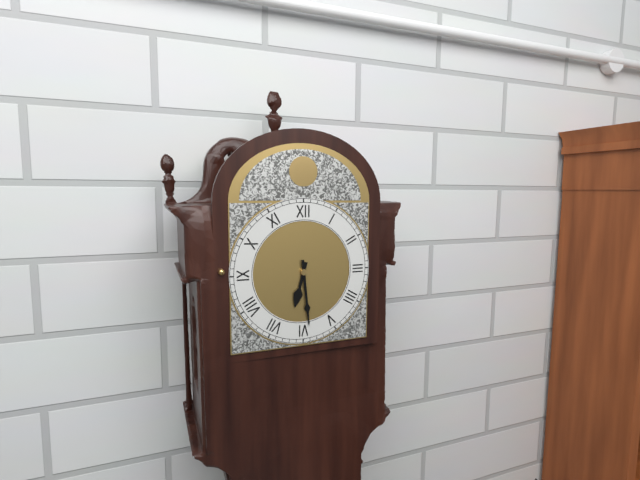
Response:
h=6 m=29
